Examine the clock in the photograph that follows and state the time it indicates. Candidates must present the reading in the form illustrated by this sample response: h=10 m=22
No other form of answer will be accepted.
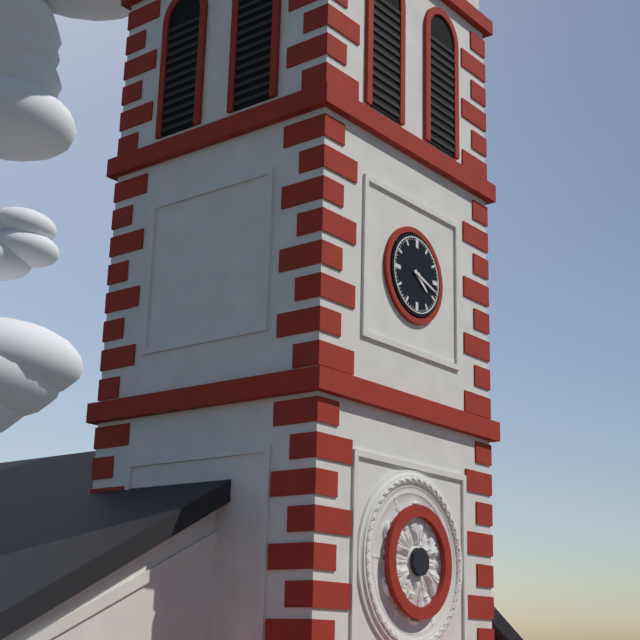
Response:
h=4 m=18
